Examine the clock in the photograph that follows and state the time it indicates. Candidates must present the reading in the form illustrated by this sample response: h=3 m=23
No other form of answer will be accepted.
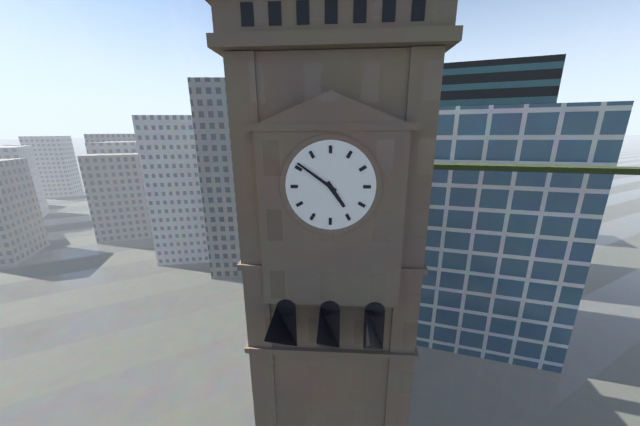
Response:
h=4 m=51
